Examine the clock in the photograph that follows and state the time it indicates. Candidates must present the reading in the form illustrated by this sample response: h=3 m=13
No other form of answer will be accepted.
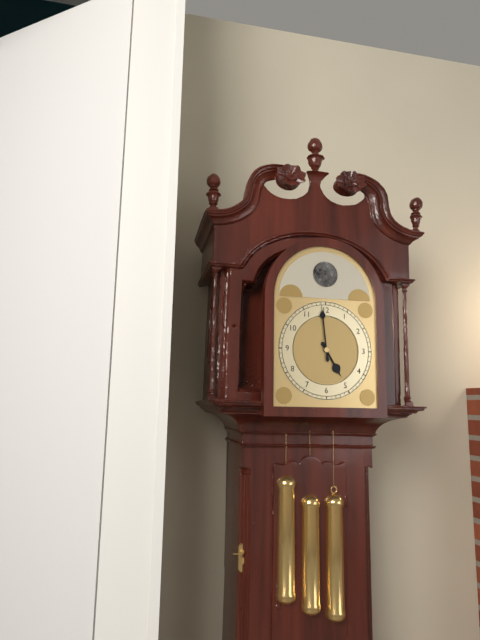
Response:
h=4 m=59
